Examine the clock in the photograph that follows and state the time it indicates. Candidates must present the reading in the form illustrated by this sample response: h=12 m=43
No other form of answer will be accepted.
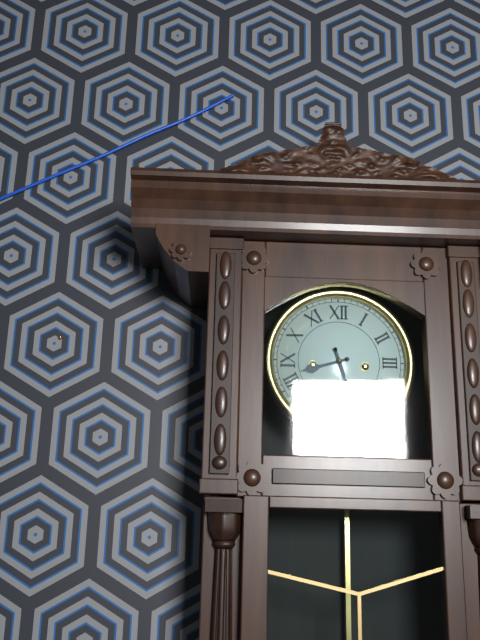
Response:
h=8 m=27
